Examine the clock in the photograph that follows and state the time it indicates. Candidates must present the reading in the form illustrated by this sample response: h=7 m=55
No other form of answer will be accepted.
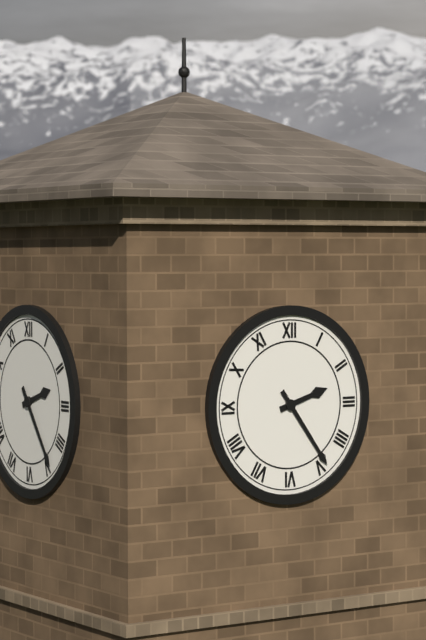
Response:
h=2 m=24
